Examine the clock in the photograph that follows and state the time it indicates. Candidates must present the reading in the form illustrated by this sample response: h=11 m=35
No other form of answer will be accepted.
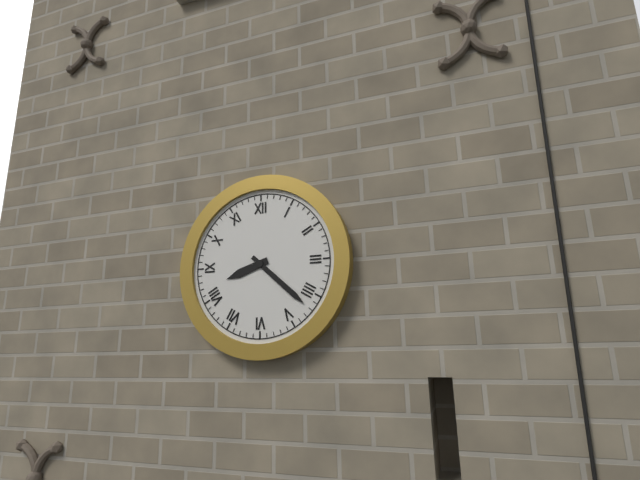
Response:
h=8 m=22
